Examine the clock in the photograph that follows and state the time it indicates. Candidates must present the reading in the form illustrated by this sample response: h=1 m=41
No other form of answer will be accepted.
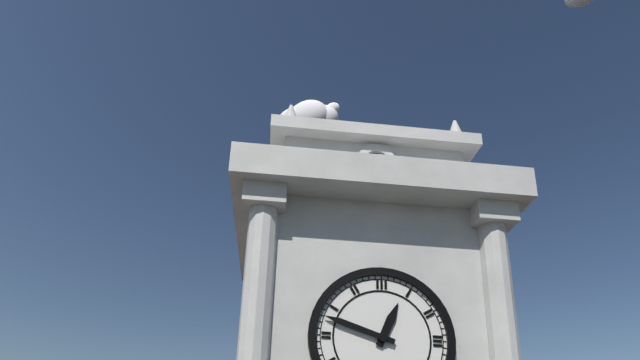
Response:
h=12 m=48
